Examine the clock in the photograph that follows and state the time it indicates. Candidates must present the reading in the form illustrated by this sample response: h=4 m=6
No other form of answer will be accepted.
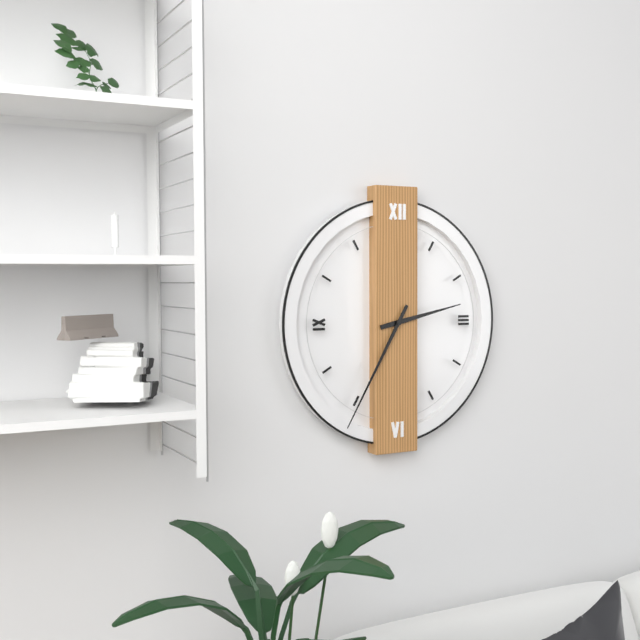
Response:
h=2 m=35
